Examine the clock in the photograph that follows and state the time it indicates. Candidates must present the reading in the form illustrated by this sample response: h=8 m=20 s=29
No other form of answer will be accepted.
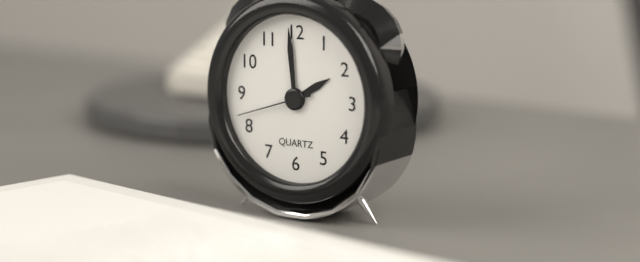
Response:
h=1 m=59 s=42
